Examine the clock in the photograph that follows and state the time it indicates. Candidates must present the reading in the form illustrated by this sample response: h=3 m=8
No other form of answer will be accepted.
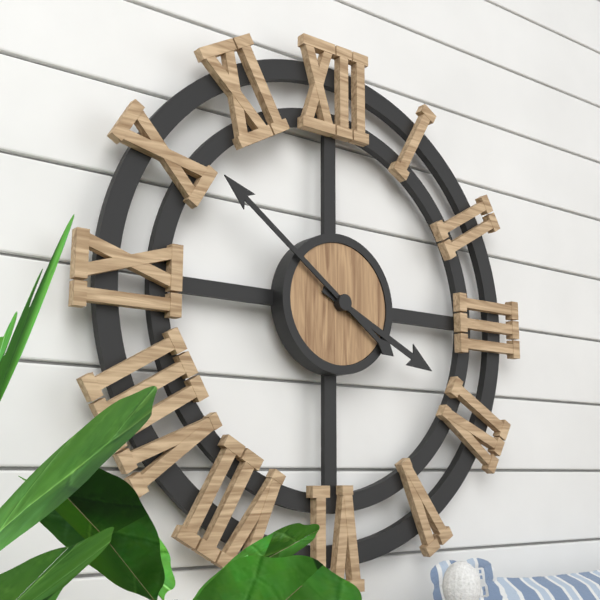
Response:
h=3 m=51
